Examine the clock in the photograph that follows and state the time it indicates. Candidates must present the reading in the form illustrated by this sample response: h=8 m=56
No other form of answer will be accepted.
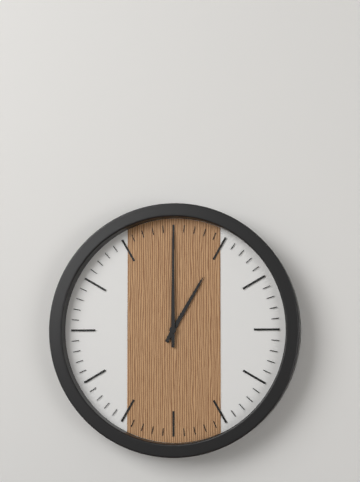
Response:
h=1 m=0
